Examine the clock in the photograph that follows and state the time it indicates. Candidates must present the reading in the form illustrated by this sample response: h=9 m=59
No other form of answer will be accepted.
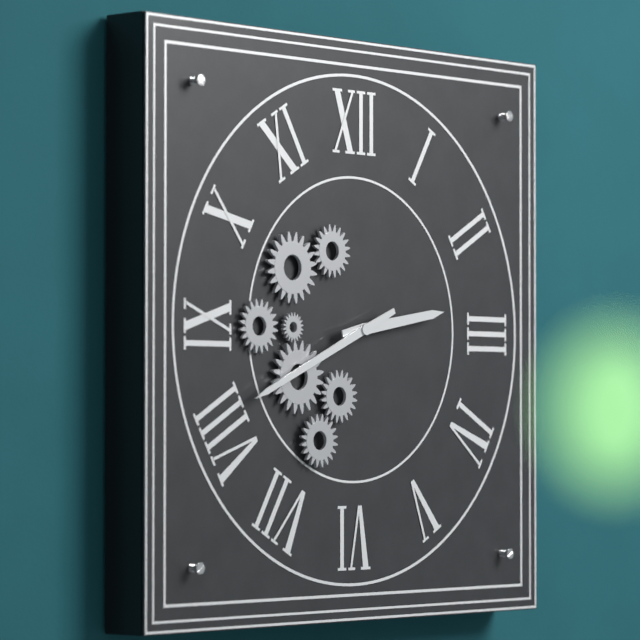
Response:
h=2 m=41
